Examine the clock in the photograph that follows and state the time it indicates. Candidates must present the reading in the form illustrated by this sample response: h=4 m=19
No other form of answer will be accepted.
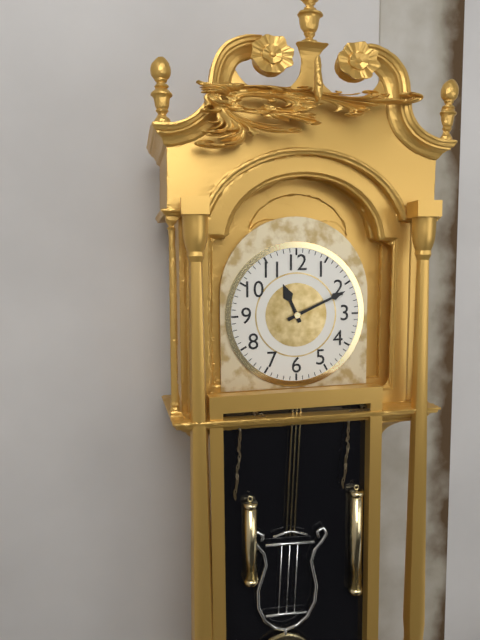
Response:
h=11 m=11
